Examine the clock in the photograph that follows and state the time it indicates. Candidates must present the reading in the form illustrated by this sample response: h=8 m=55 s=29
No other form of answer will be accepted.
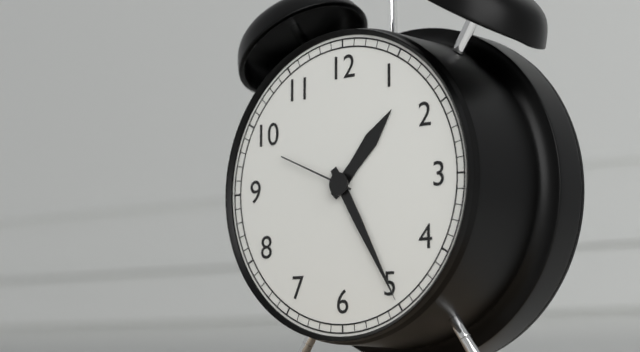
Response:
h=1 m=25 s=49
